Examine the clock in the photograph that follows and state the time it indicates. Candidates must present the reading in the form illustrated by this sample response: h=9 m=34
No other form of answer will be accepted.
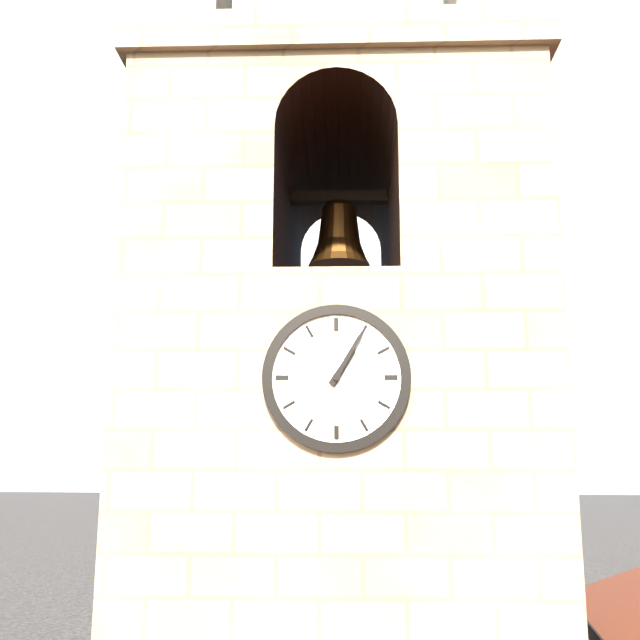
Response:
h=1 m=5
